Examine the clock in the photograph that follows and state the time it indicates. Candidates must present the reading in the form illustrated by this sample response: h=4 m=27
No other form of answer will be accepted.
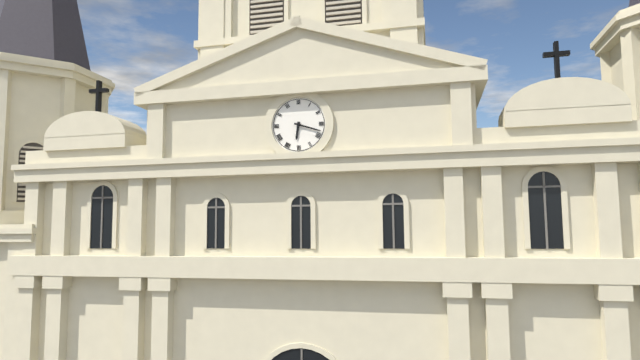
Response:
h=6 m=18
